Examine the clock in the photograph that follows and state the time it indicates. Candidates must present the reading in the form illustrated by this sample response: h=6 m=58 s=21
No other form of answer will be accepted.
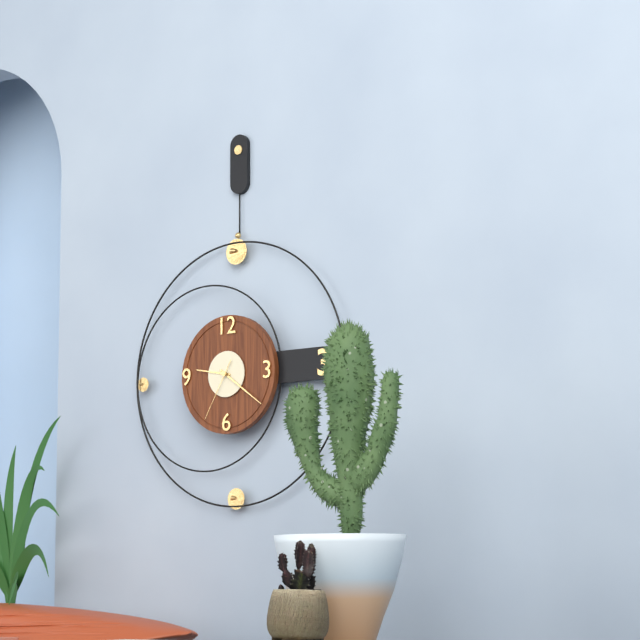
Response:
h=9 m=21 s=35
